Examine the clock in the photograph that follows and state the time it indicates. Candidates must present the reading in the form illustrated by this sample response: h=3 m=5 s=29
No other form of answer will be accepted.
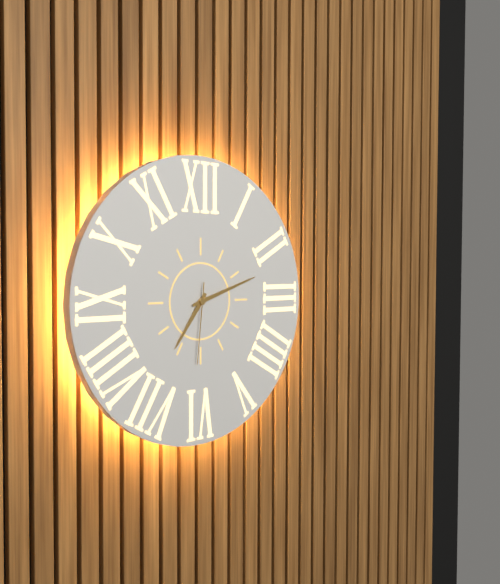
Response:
h=7 m=12 s=31
